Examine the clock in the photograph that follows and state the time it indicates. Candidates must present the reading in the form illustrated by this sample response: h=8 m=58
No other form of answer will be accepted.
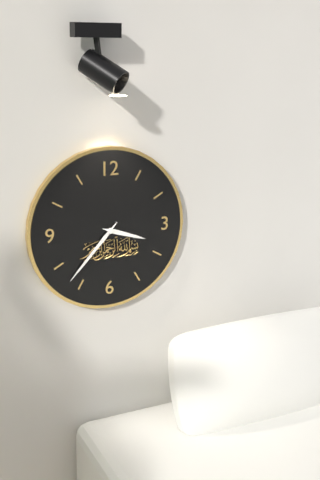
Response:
h=3 m=37
